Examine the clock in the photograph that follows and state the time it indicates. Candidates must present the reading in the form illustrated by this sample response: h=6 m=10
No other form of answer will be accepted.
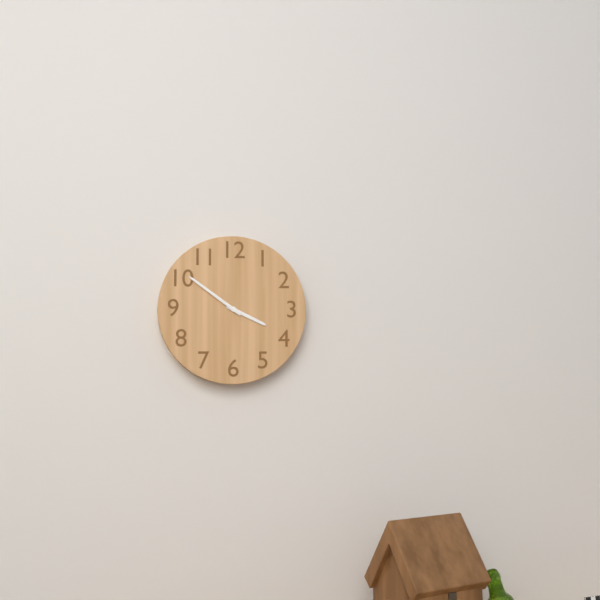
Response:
h=3 m=51
